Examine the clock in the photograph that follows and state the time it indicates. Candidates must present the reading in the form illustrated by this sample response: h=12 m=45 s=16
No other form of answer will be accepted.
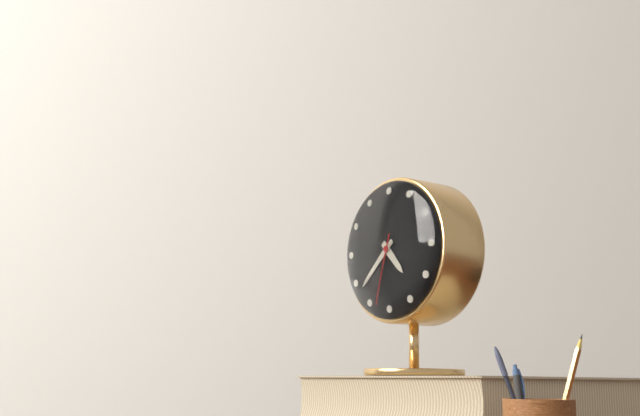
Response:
h=4 m=38 s=33
